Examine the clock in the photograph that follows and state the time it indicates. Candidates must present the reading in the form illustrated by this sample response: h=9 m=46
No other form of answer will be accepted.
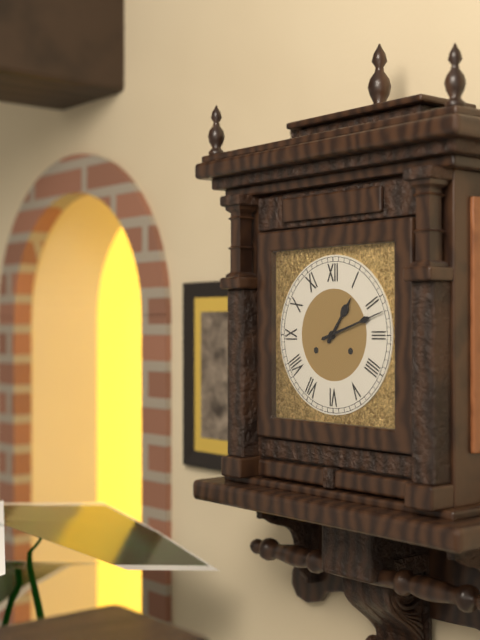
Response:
h=1 m=12
